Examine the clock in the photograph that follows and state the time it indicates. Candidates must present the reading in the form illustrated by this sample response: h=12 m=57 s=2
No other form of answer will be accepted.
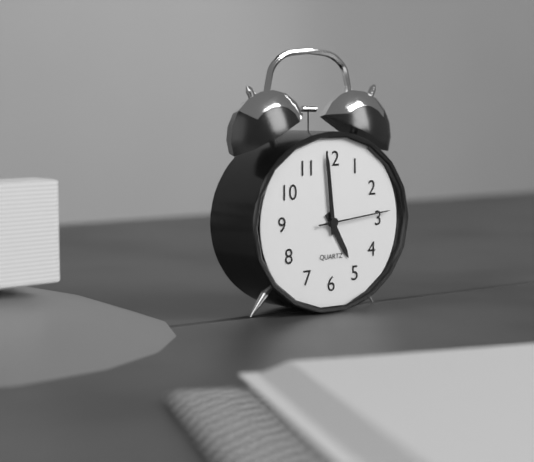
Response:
h=4 m=59 s=14
